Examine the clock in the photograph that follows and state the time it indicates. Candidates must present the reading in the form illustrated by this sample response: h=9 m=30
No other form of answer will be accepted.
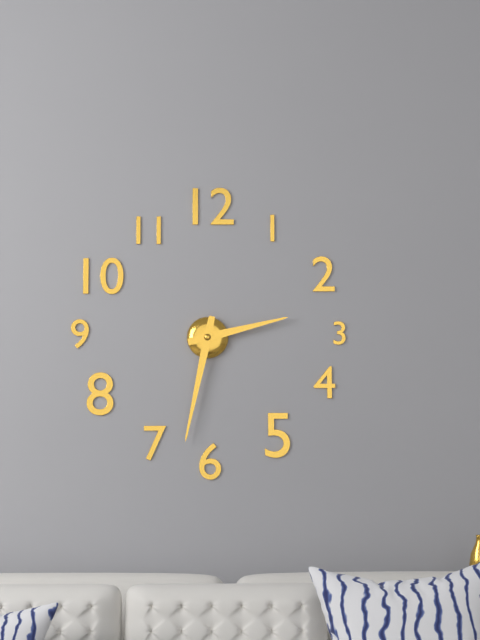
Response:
h=2 m=32
